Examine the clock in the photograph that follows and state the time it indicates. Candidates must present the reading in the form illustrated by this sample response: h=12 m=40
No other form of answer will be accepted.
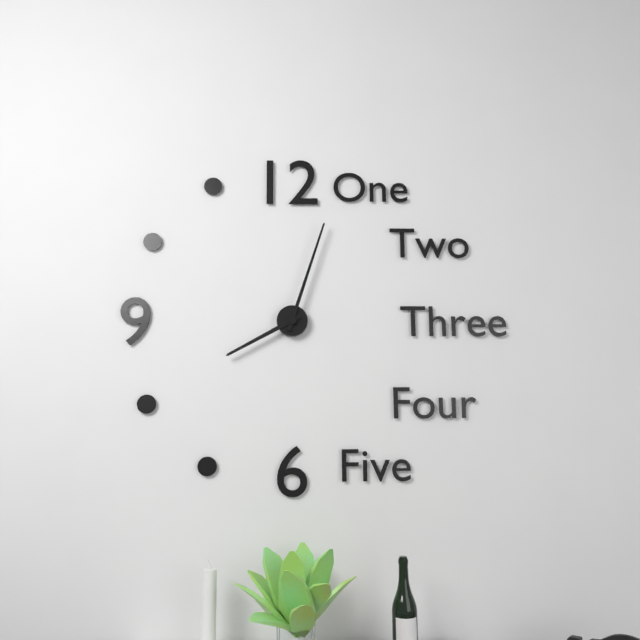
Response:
h=8 m=3
